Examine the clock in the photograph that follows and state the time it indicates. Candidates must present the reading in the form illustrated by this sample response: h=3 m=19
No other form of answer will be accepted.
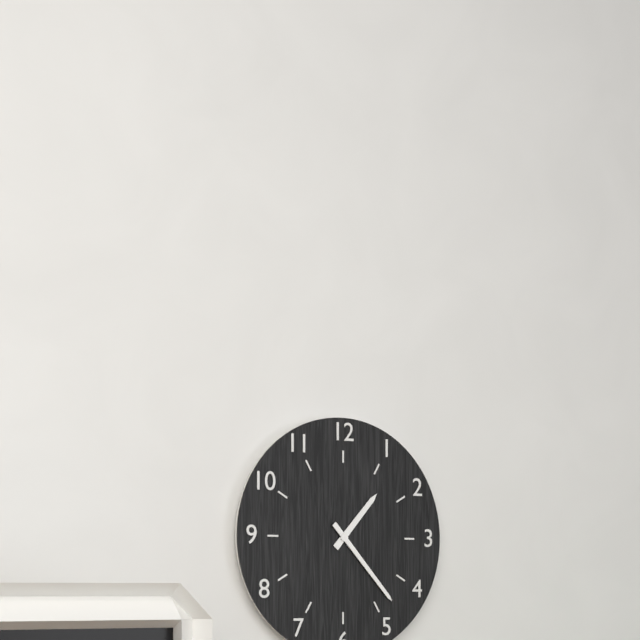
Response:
h=1 m=23
